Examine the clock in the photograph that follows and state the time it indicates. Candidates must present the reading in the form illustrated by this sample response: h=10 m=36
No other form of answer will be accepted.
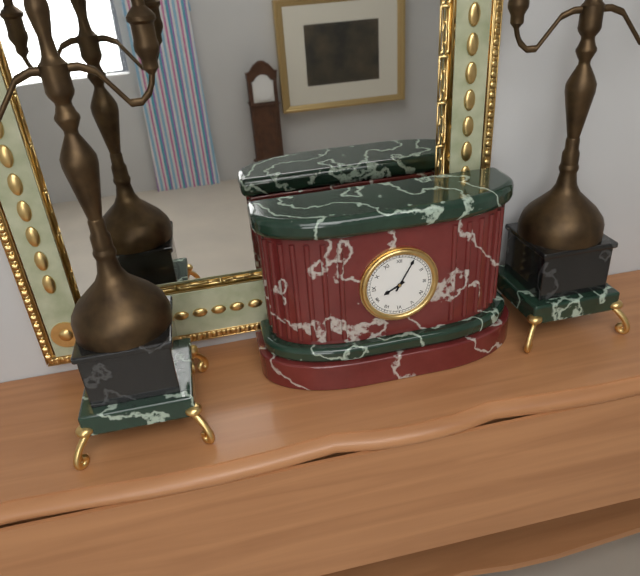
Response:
h=8 m=5
